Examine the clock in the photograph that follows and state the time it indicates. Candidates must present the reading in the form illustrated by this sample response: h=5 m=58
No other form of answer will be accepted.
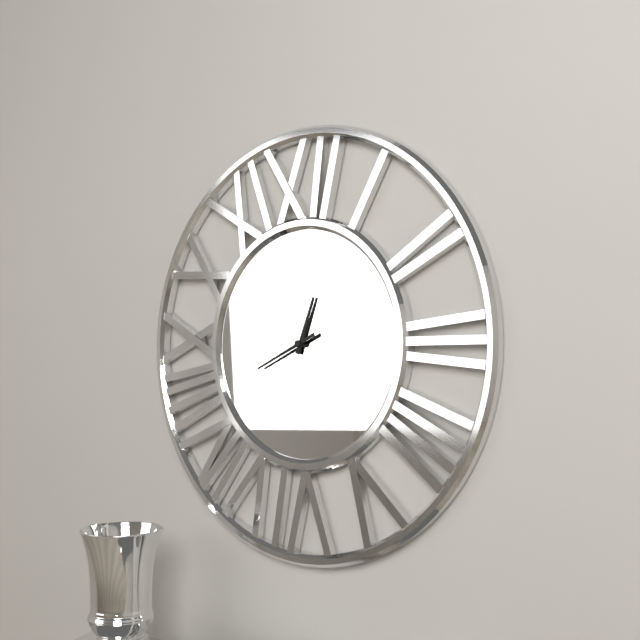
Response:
h=12 m=41
